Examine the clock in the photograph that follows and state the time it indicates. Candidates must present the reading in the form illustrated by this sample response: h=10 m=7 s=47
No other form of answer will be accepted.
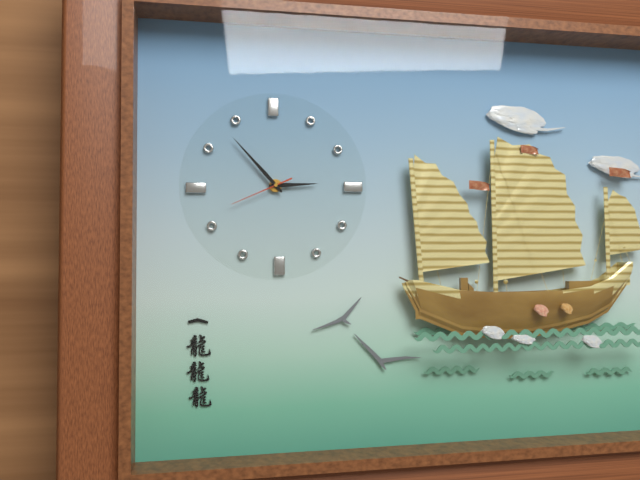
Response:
h=2 m=53 s=41
